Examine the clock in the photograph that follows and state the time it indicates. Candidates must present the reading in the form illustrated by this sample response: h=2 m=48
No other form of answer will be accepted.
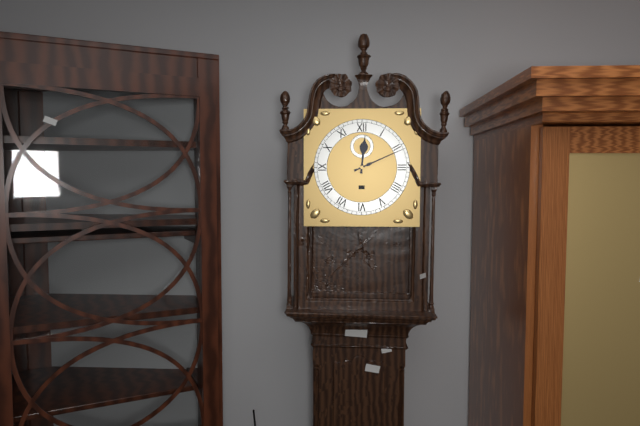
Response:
h=12 m=11
